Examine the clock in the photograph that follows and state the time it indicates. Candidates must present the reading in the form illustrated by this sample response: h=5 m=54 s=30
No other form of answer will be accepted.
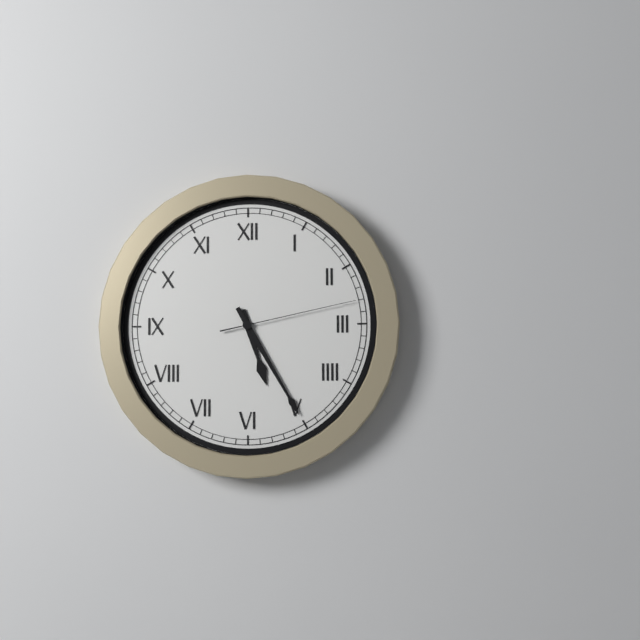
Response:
h=5 m=25 s=13
